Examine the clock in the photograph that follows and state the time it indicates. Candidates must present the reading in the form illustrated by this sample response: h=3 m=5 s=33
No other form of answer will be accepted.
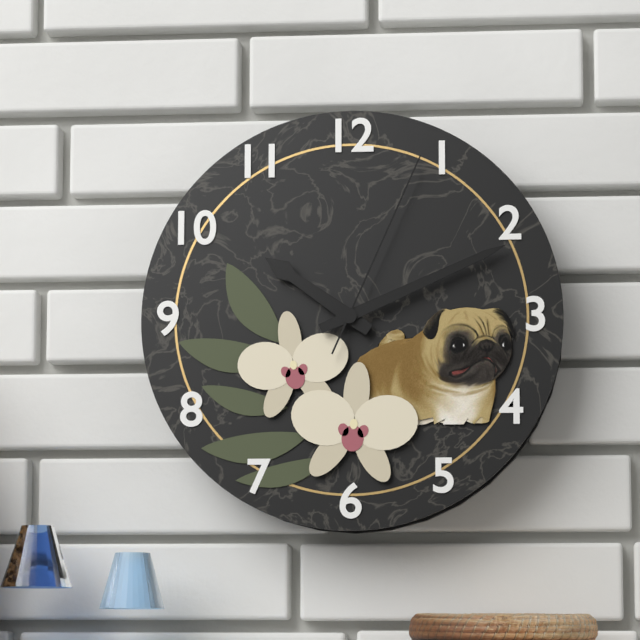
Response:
h=10 m=11 s=4
